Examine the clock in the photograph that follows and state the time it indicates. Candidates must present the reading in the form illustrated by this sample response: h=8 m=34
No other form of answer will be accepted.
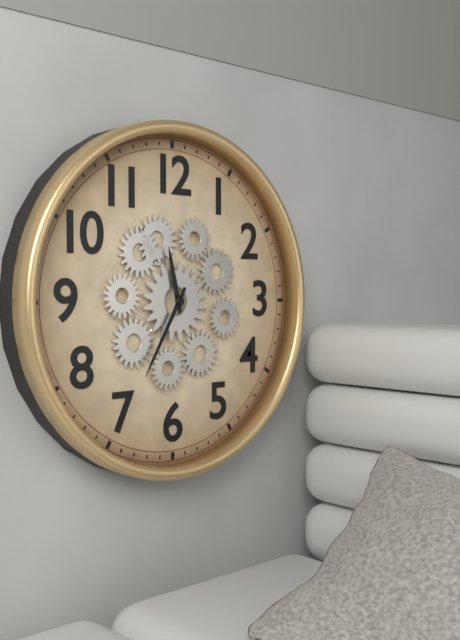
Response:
h=11 m=35
